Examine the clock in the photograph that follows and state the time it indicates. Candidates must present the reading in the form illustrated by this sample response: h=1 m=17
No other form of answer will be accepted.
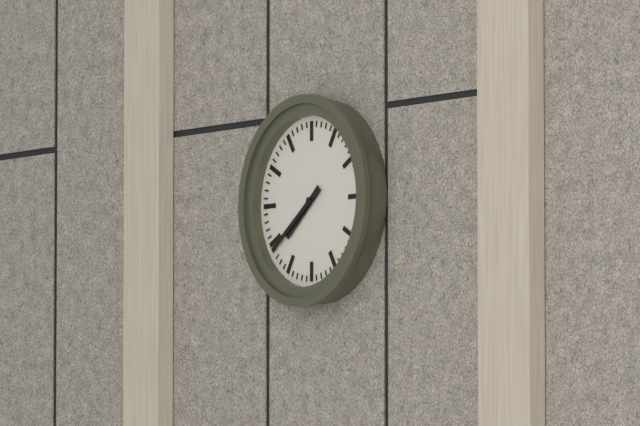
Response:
h=7 m=39
